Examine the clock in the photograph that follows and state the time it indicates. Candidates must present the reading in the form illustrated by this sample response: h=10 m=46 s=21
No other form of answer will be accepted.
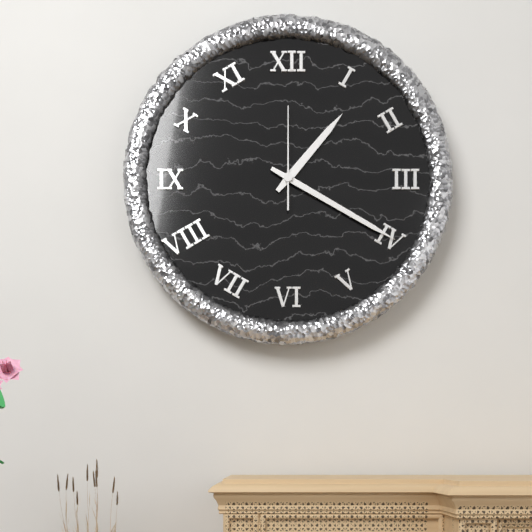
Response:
h=1 m=20 s=0
